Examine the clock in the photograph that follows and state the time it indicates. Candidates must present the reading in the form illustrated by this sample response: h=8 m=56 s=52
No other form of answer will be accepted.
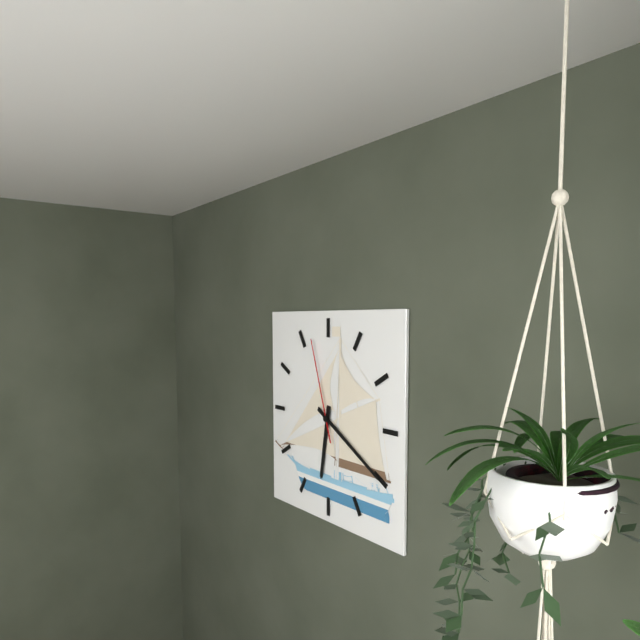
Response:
h=6 m=20 s=57
